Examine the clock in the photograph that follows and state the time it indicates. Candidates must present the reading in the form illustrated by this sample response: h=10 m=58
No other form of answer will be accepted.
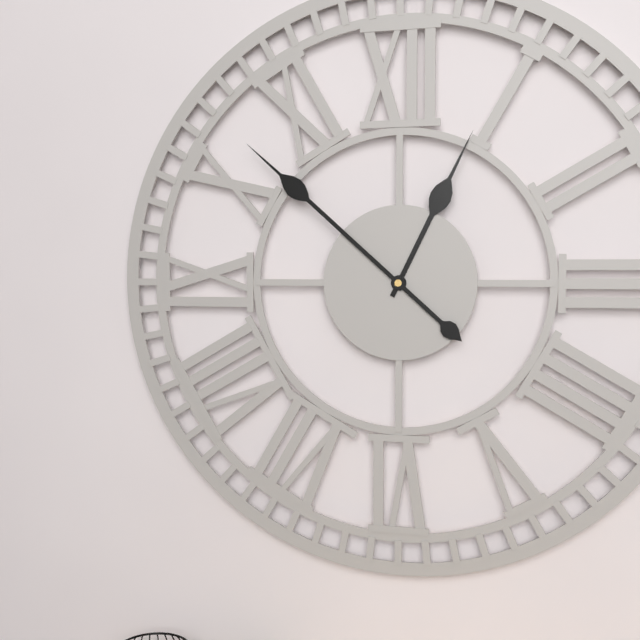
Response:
h=12 m=52
